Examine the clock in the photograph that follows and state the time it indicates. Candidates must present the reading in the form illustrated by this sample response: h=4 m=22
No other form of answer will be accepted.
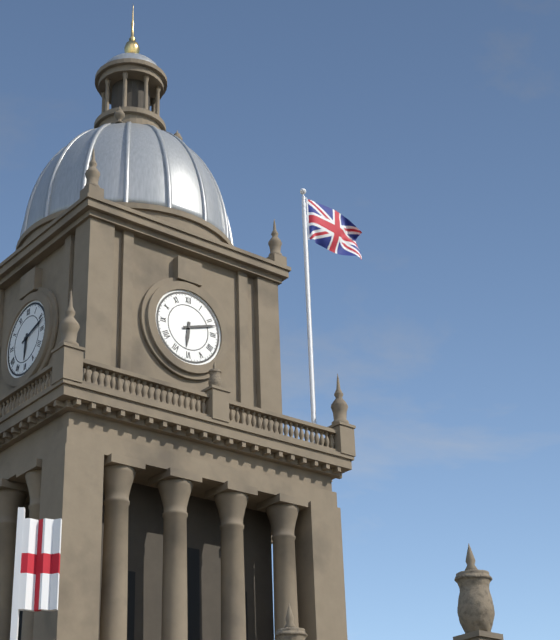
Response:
h=6 m=12
